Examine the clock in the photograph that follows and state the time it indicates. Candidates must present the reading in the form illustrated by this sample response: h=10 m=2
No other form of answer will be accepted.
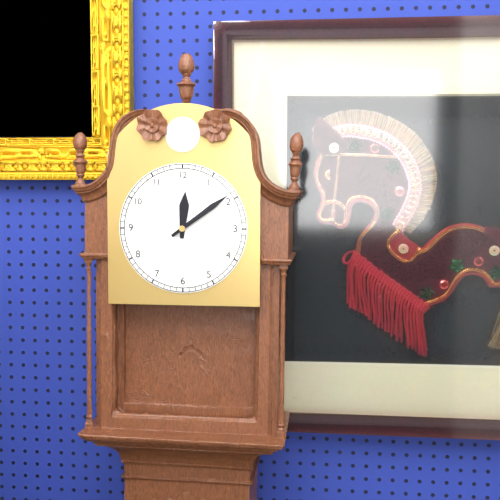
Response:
h=12 m=9
